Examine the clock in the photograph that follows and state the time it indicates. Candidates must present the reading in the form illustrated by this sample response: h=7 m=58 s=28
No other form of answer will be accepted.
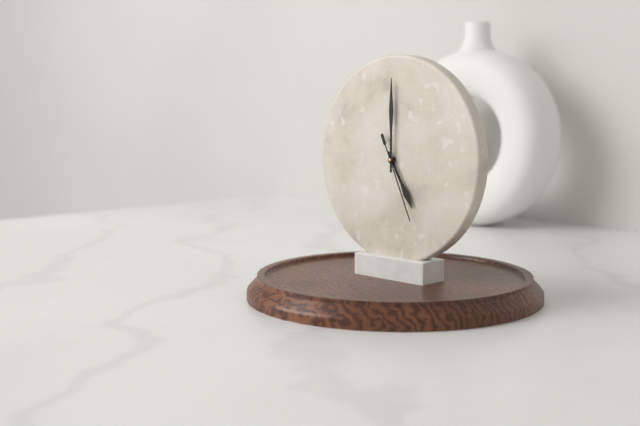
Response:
h=5 m=0 s=26
